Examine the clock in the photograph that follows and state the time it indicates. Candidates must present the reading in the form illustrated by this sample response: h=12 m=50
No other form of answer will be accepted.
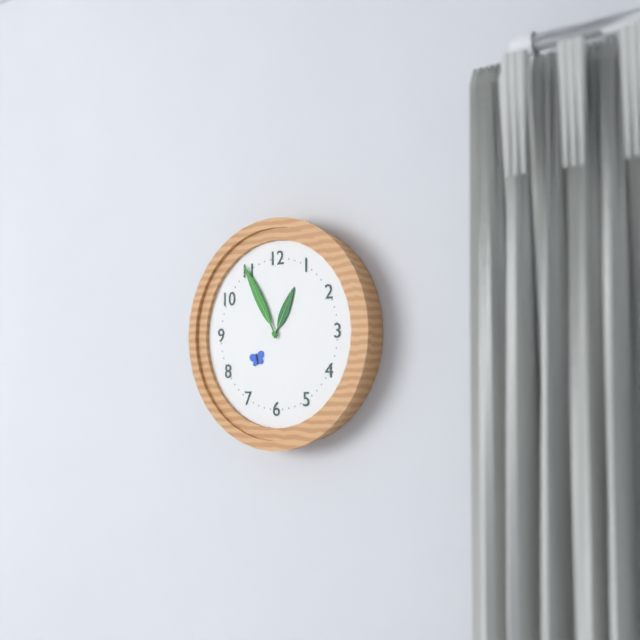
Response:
h=12 m=55
